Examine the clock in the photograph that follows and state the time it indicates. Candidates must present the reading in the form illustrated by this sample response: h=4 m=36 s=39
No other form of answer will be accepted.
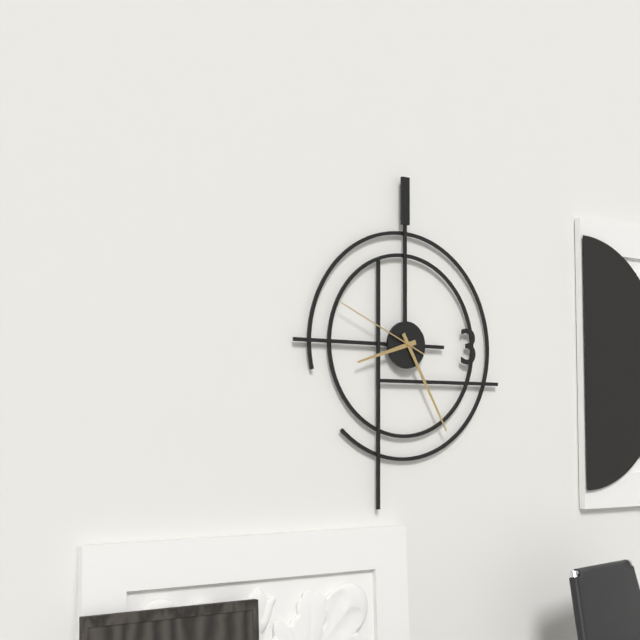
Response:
h=8 m=25 s=49
